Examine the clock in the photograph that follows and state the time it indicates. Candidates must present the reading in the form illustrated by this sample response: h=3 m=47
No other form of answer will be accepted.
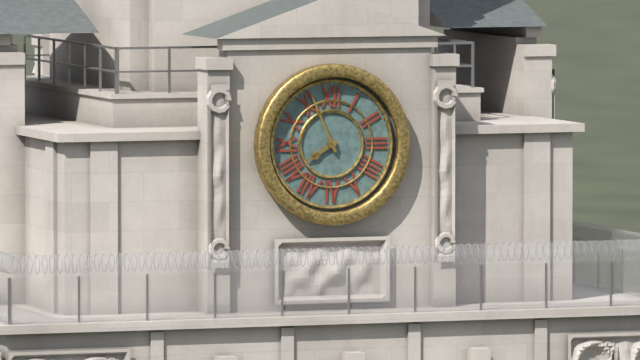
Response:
h=7 m=56
